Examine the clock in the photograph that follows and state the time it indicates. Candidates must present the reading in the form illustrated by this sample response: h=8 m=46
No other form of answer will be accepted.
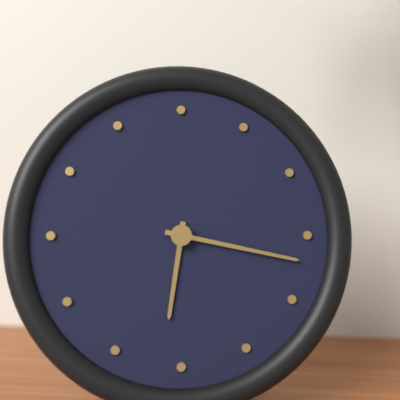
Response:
h=6 m=17
